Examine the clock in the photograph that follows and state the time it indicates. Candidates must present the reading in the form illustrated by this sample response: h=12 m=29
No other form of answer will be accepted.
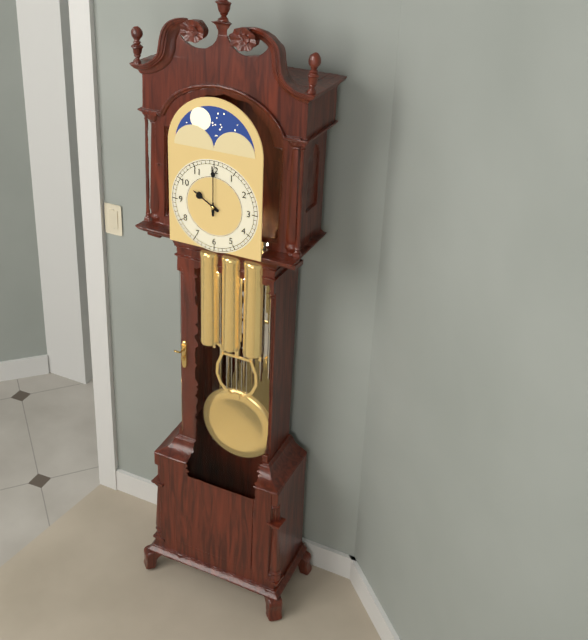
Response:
h=10 m=0
